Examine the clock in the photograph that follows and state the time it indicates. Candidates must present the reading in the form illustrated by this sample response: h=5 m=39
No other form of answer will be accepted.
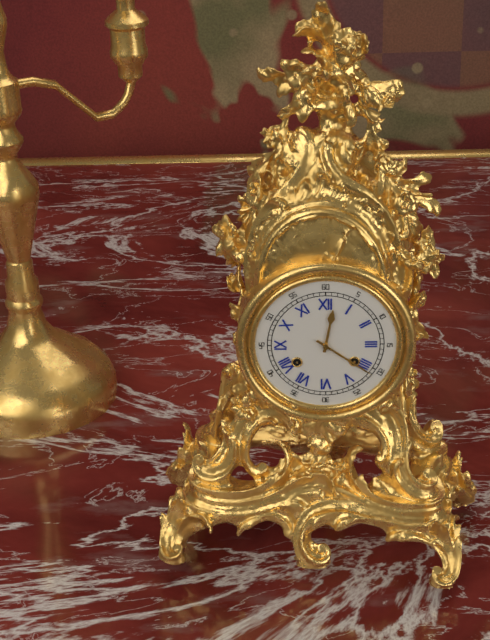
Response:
h=12 m=21
